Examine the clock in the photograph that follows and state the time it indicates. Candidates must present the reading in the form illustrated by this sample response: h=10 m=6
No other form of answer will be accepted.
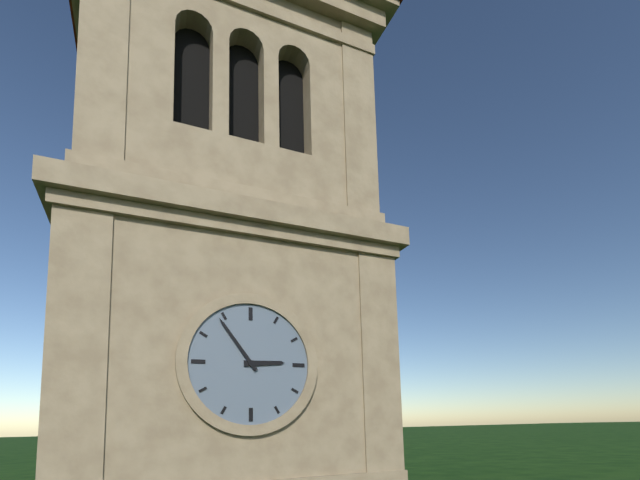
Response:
h=2 m=54
